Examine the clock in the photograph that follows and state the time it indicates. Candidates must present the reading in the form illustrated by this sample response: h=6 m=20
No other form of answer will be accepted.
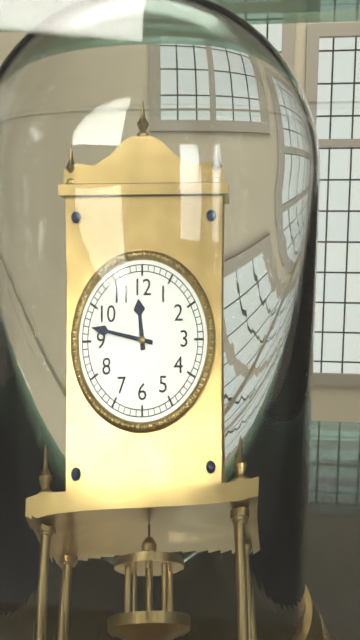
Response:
h=11 m=47
